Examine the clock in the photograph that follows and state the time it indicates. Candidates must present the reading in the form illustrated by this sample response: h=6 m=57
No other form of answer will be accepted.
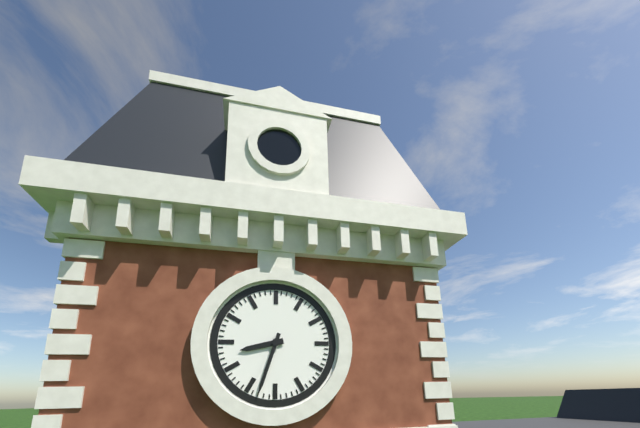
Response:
h=8 m=33
